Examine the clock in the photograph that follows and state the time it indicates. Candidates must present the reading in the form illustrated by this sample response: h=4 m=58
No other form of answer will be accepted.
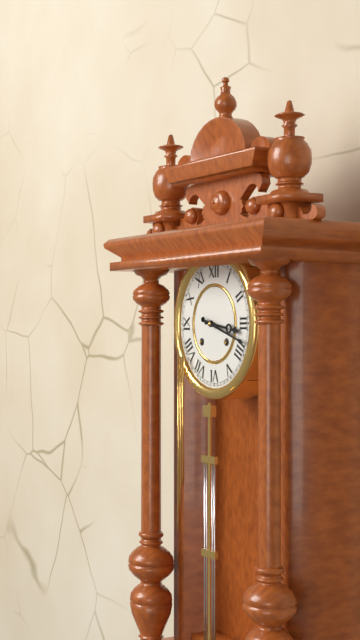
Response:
h=3 m=18
